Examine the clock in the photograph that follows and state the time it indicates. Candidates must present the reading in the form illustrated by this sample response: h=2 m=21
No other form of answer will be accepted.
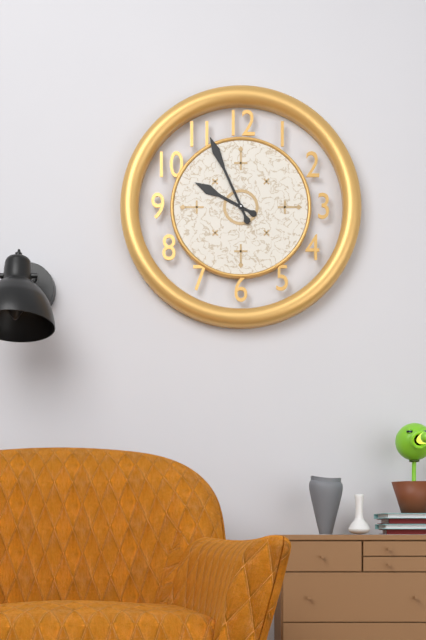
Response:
h=9 m=56
